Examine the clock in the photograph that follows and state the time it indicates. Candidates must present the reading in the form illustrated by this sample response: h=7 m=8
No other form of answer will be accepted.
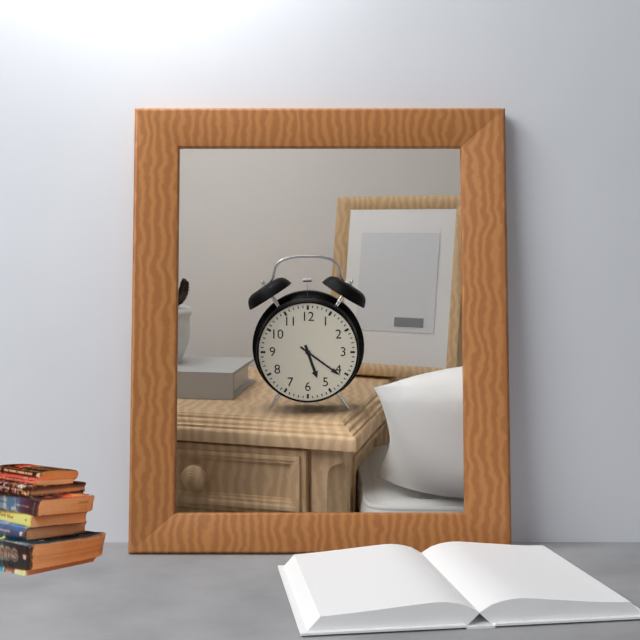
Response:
h=5 m=21
